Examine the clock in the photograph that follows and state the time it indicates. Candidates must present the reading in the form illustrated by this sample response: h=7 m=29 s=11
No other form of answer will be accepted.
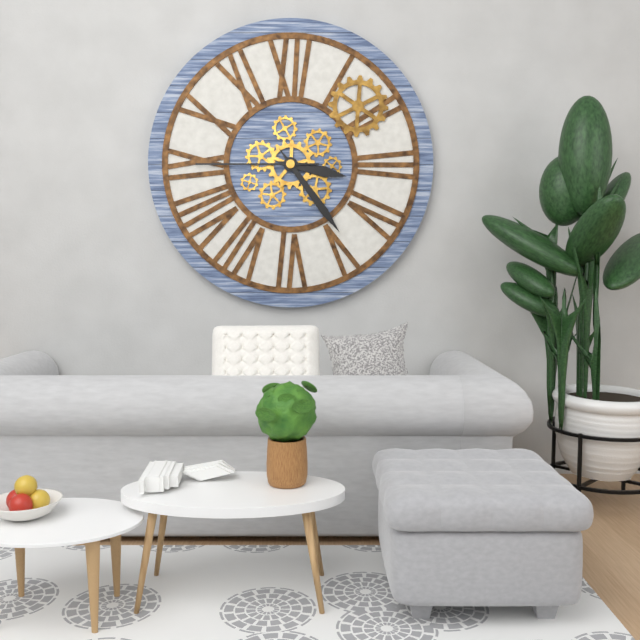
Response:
h=3 m=24 s=45
